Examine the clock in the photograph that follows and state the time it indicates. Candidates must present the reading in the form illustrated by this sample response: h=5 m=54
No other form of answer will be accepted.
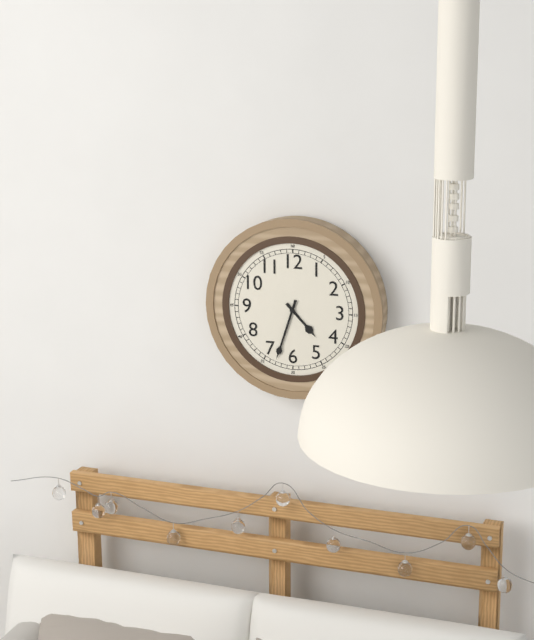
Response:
h=4 m=33
